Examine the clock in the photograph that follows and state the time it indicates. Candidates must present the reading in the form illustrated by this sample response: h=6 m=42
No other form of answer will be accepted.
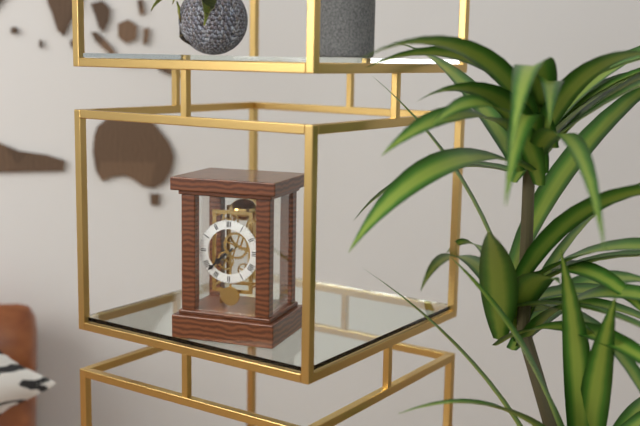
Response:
h=7 m=38
